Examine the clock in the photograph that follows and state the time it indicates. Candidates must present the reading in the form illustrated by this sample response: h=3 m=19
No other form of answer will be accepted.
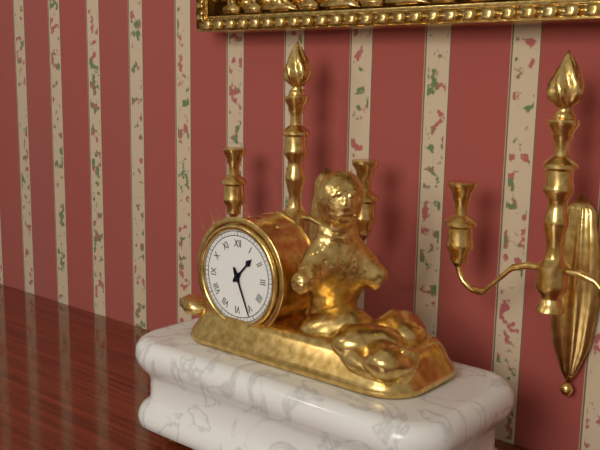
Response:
h=1 m=26
